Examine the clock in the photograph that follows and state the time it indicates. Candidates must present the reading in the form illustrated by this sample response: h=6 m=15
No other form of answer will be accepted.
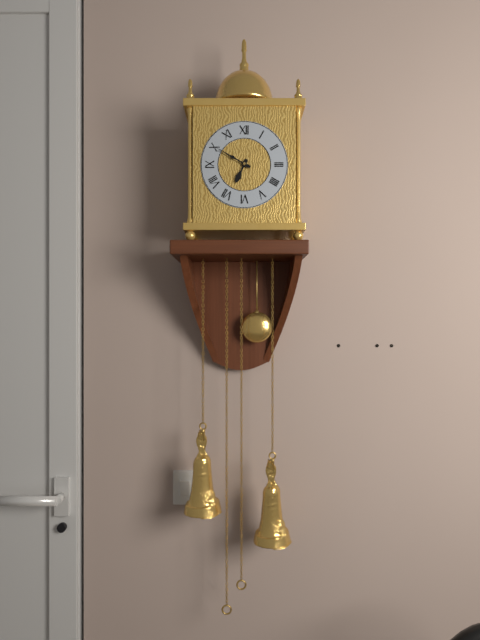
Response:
h=6 m=50
